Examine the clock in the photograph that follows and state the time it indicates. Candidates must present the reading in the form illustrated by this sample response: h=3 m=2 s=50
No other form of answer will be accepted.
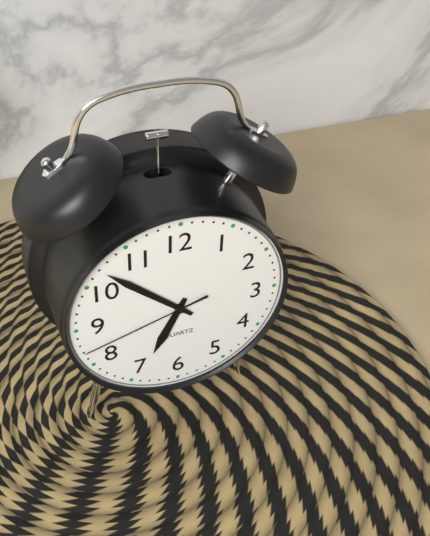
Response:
h=6 m=52 s=42
